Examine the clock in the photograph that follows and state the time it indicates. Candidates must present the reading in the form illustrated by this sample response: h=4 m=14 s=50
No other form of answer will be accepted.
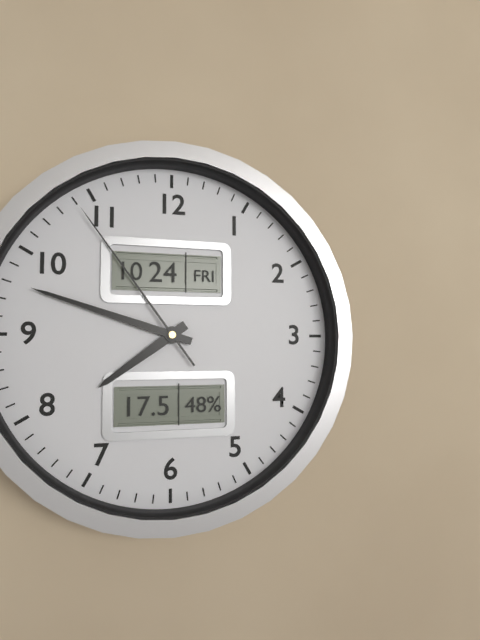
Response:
h=7 m=48 s=54
